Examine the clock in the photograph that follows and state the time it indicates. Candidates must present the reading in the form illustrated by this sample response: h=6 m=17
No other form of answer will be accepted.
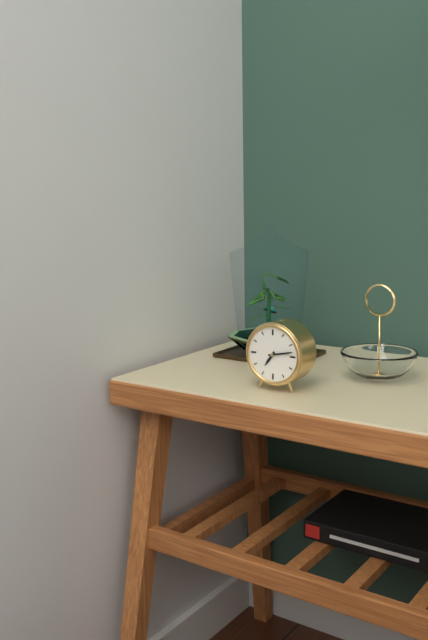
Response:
h=7 m=13
